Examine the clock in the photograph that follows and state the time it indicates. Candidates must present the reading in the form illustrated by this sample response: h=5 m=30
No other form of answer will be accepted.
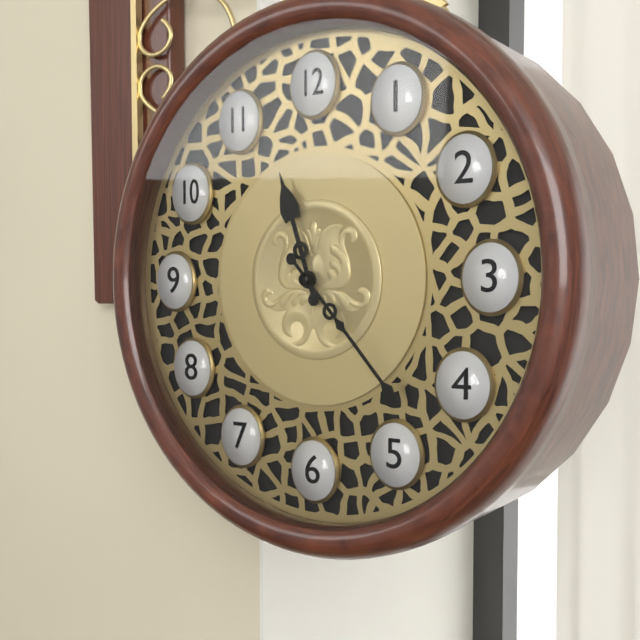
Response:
h=11 m=23
